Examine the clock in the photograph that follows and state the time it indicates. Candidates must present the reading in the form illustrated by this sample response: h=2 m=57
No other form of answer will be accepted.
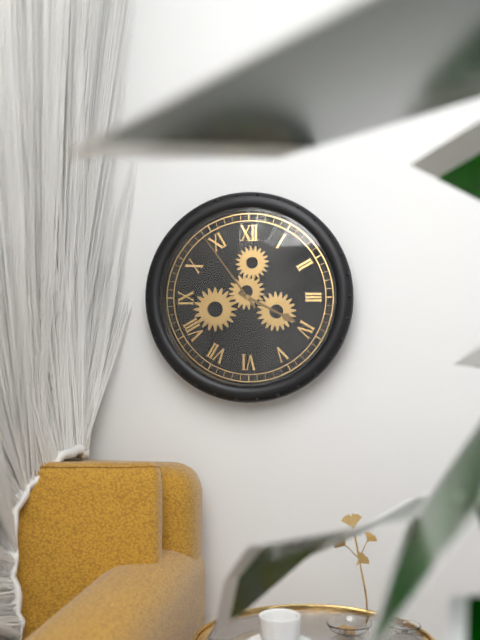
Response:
h=3 m=54
